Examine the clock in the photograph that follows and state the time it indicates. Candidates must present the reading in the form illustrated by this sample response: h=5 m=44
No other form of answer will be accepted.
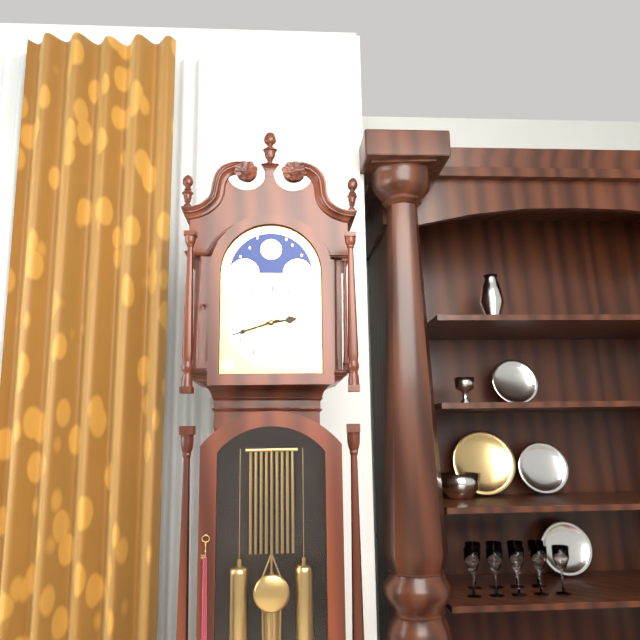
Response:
h=2 m=42
